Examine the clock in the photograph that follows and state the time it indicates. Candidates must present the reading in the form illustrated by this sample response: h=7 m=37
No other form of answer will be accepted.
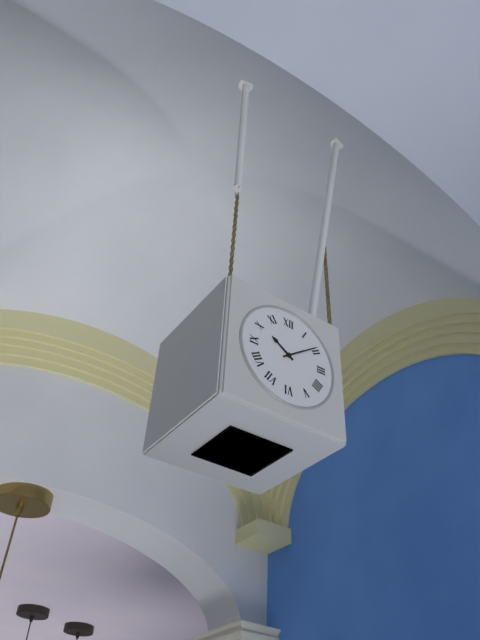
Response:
h=10 m=9
